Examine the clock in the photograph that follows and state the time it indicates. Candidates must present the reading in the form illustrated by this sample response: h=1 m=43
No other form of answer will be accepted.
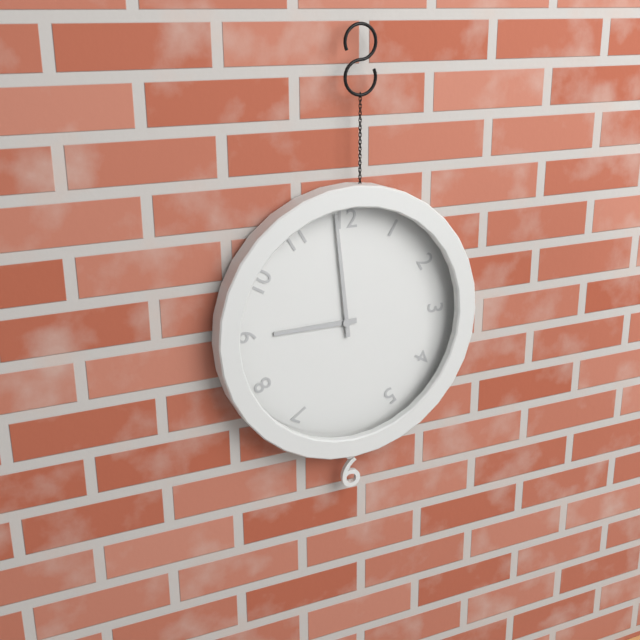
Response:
h=8 m=59
